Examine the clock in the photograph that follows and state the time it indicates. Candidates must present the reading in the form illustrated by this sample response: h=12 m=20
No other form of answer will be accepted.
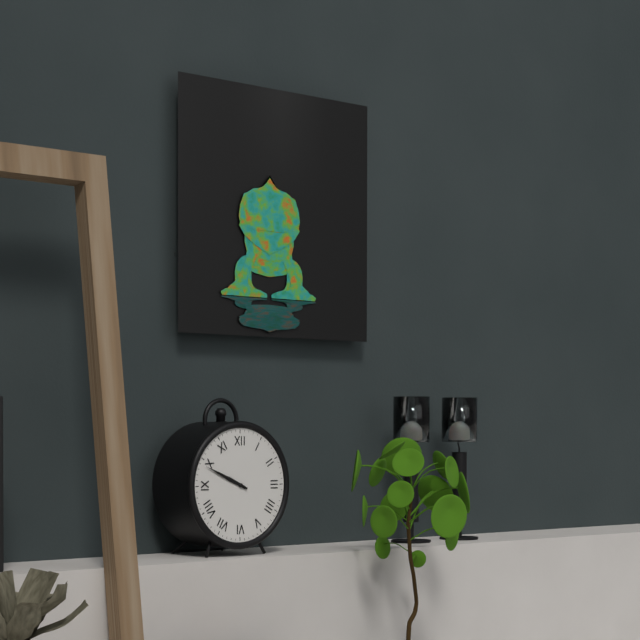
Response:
h=9 m=49
